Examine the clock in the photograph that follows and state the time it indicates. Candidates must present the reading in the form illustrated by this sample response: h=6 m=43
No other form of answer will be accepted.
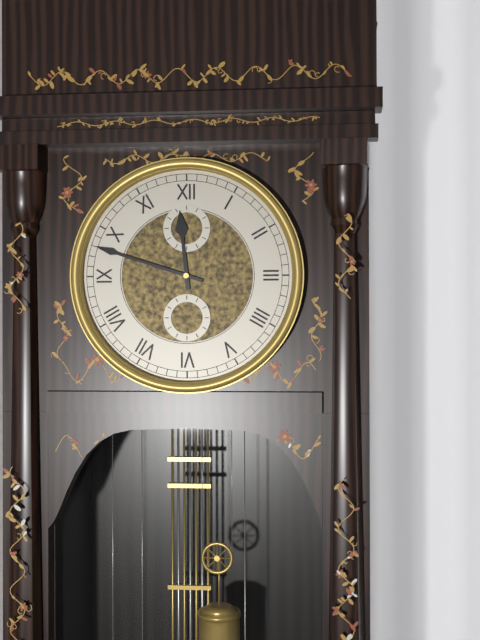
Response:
h=11 m=48
